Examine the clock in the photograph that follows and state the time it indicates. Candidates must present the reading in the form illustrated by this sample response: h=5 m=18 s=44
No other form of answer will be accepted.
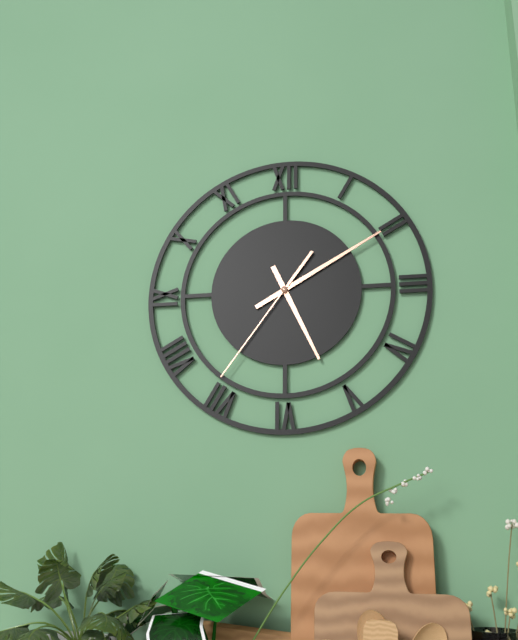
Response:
h=5 m=10 s=36
